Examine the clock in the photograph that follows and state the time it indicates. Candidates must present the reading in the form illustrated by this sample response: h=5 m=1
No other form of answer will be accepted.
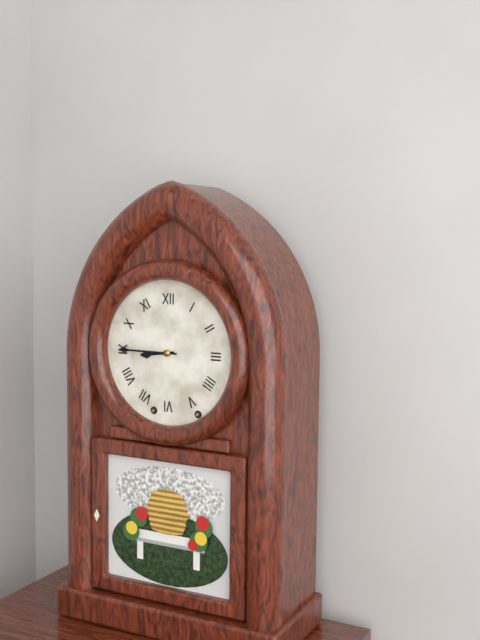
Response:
h=8 m=45
